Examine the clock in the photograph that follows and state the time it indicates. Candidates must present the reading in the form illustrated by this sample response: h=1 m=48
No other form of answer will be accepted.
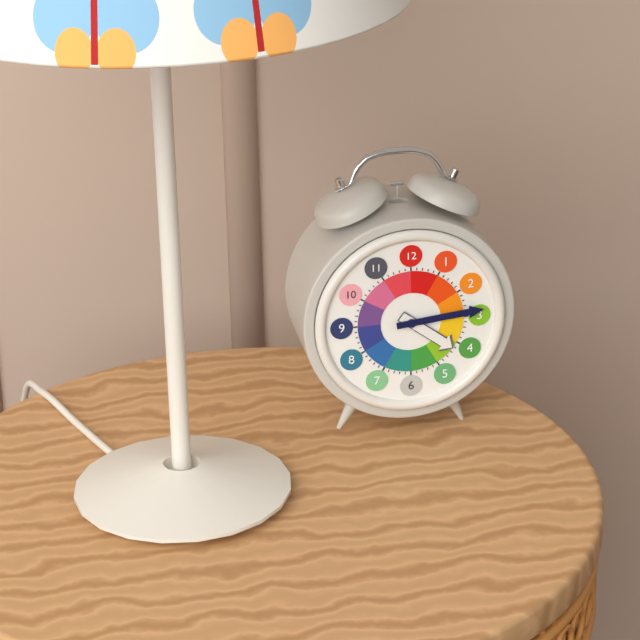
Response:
h=4 m=14
